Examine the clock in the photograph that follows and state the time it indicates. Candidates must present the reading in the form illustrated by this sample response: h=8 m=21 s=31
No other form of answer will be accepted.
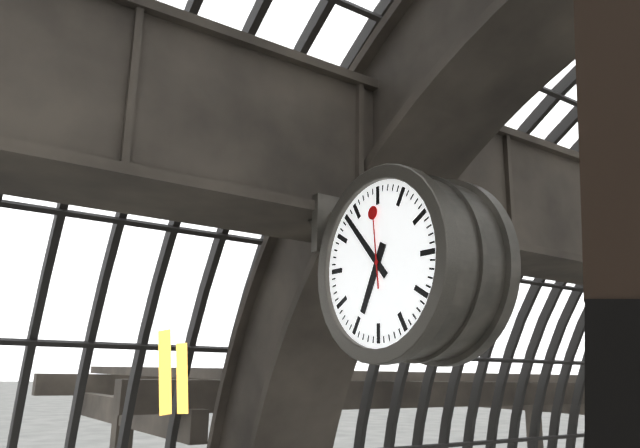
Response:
h=6 m=53 s=59
